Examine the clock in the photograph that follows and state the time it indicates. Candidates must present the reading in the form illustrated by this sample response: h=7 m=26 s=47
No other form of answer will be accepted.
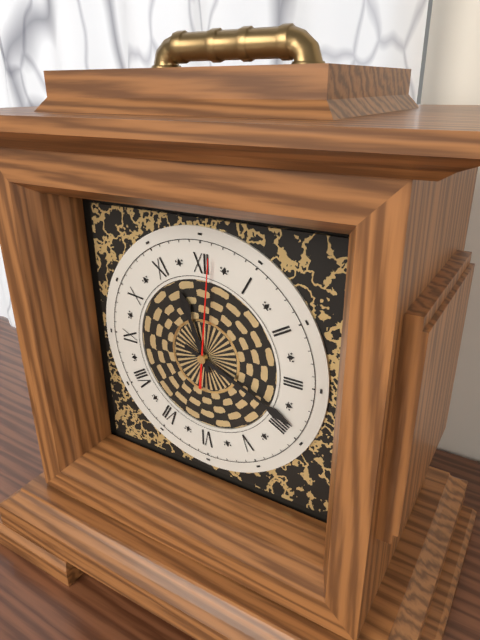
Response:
h=11 m=19 s=1
